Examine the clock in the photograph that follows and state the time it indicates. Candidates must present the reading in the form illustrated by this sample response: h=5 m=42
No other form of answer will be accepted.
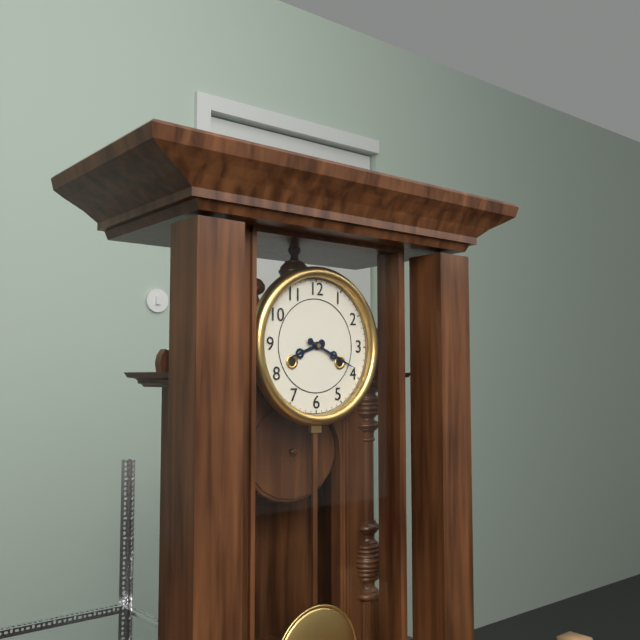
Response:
h=8 m=19
